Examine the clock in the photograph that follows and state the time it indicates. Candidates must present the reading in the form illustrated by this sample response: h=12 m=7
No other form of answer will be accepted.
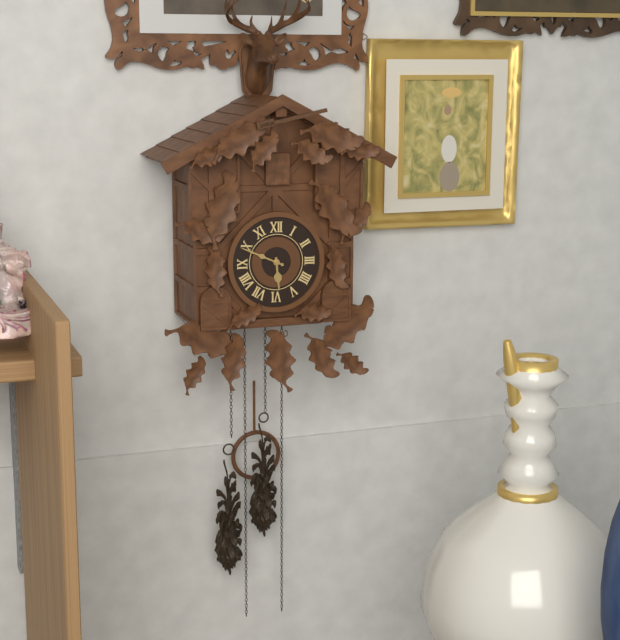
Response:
h=5 m=49
